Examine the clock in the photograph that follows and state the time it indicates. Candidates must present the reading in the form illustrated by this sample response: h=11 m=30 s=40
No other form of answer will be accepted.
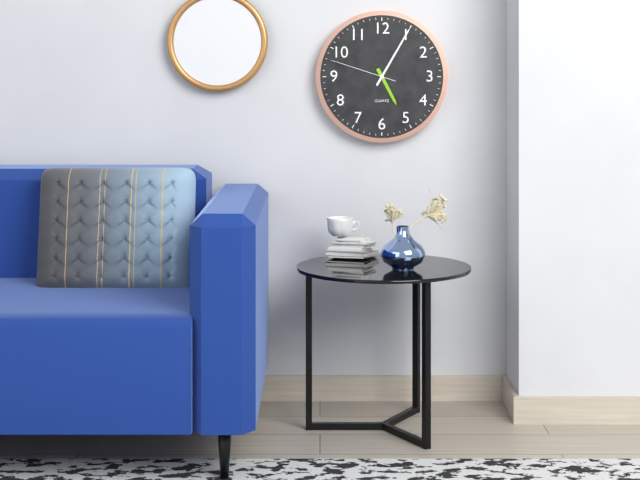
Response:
h=5 m=5 s=48
